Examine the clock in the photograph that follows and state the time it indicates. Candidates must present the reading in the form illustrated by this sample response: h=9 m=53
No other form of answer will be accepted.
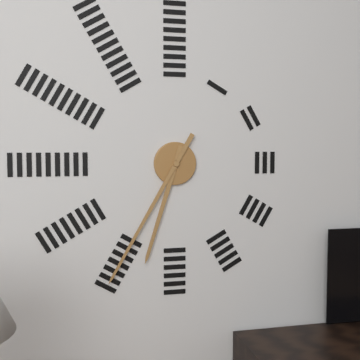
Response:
h=6 m=35
